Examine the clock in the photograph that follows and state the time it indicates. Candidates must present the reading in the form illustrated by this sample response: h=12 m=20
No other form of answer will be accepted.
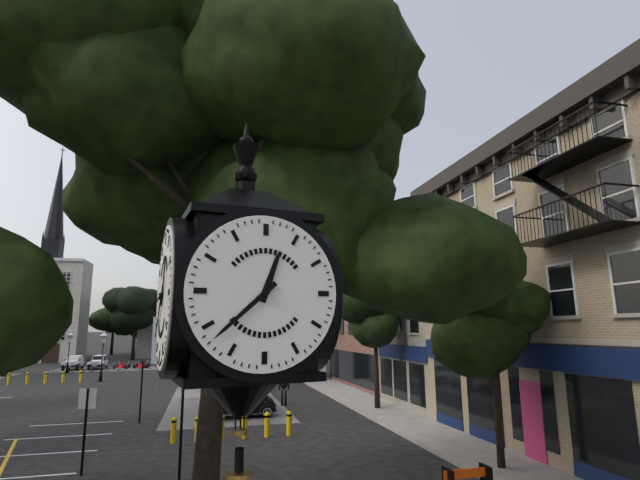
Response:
h=12 m=38
